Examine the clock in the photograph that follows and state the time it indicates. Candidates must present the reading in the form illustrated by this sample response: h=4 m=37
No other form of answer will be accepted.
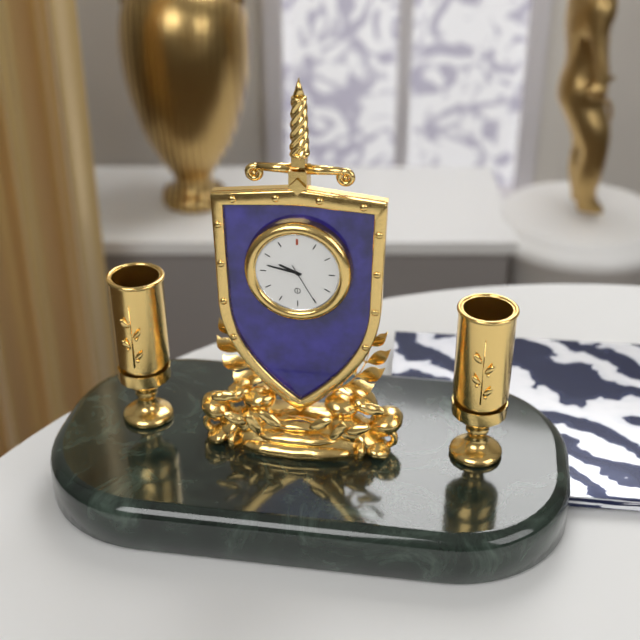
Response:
h=9 m=47
